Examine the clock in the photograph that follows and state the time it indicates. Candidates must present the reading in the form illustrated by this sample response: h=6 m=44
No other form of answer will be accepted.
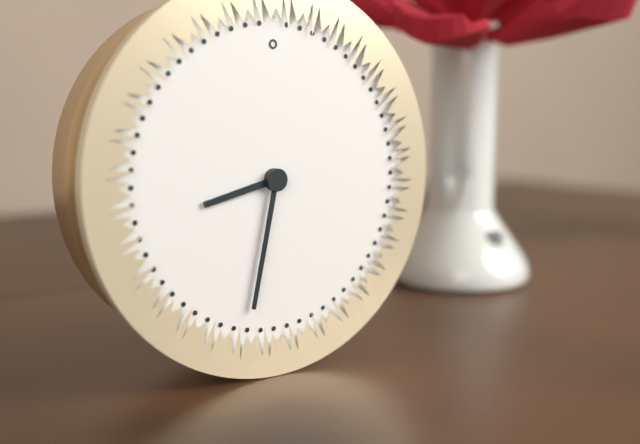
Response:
h=8 m=32
